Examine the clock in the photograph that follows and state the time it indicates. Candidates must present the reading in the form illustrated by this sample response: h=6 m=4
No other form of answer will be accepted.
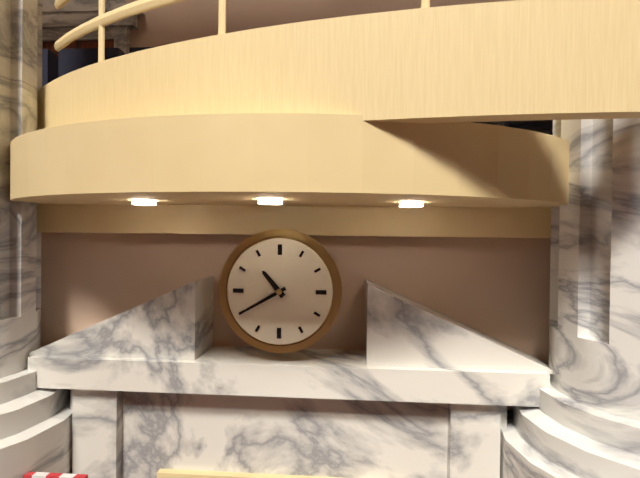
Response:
h=10 m=40
